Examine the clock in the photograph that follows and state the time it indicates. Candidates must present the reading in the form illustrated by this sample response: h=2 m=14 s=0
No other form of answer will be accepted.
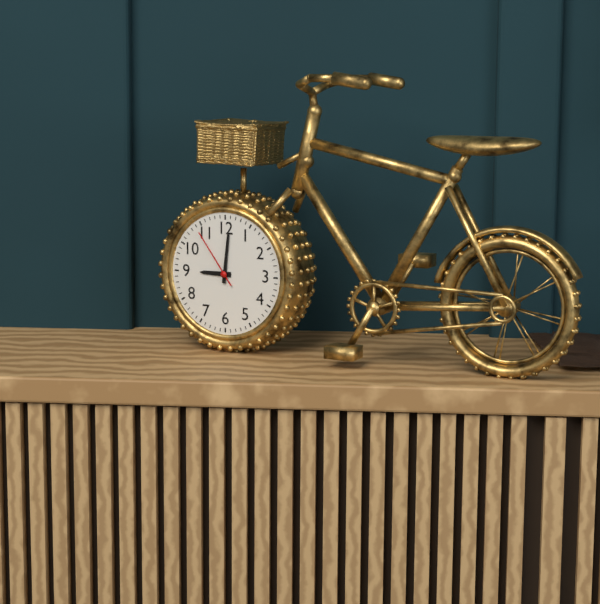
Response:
h=9 m=1 s=54
